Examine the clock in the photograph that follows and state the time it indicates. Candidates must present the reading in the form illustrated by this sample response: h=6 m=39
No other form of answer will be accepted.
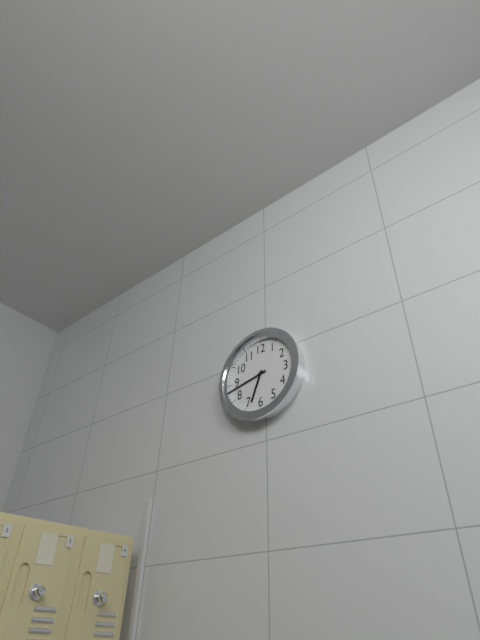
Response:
h=6 m=43
